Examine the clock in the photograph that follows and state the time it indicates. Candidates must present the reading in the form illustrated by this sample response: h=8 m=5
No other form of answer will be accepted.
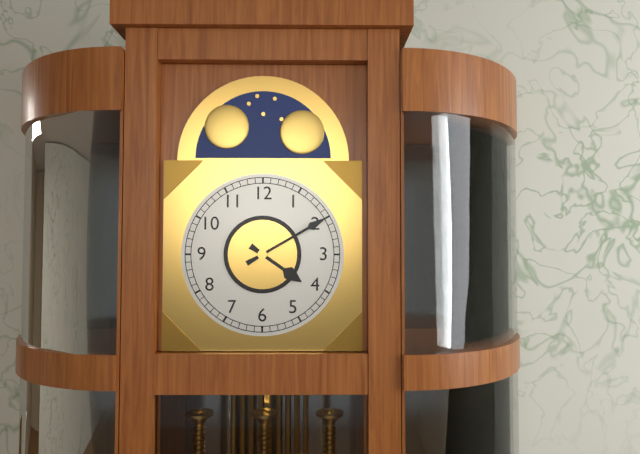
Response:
h=4 m=10
